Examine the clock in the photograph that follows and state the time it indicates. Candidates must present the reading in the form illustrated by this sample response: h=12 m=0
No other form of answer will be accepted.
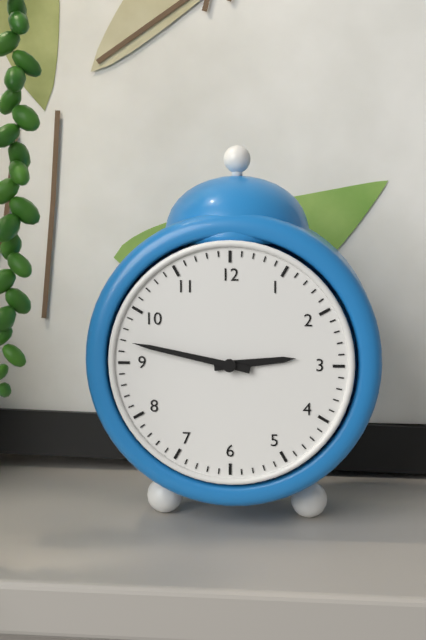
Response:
h=2 m=47
